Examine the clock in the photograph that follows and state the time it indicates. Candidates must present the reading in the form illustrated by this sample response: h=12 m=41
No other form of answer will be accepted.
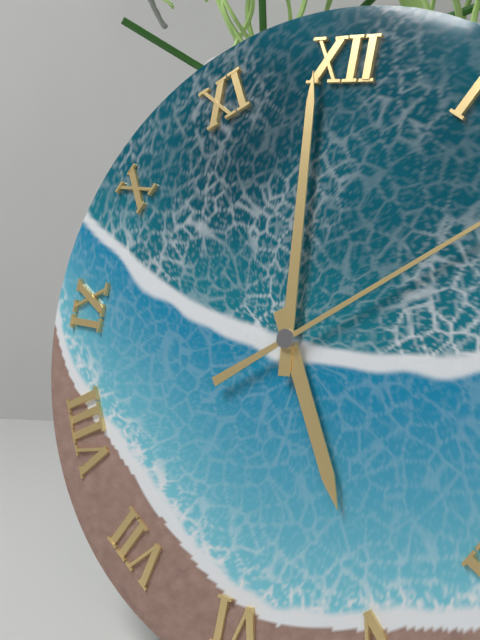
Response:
h=4 m=59
